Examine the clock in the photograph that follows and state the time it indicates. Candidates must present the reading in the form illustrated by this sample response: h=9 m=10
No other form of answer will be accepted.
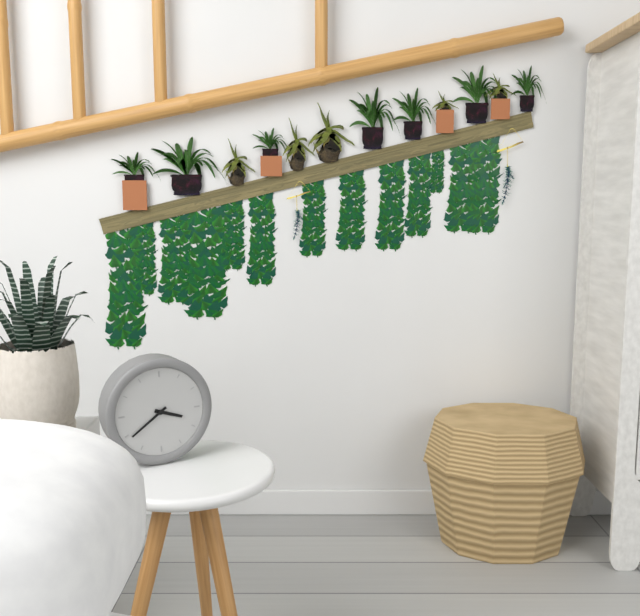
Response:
h=3 m=39
